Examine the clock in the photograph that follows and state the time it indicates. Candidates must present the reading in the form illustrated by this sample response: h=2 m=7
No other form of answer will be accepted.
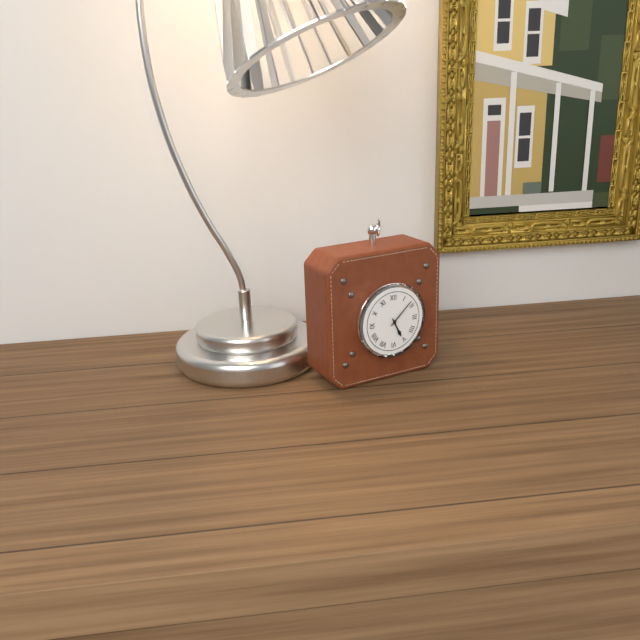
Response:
h=5 m=8
